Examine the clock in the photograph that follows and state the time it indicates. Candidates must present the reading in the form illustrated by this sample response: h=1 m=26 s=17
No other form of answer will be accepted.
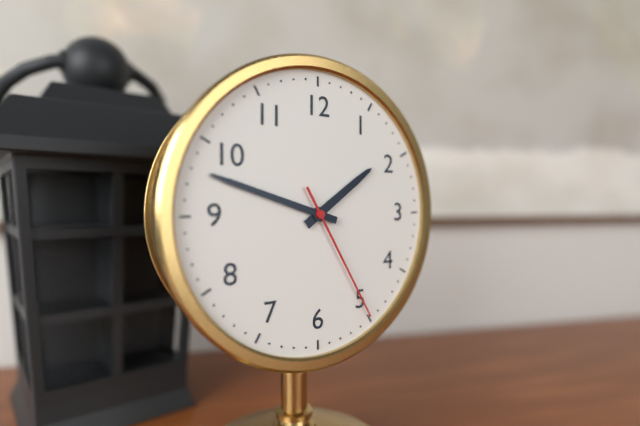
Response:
h=1 m=48 s=25
